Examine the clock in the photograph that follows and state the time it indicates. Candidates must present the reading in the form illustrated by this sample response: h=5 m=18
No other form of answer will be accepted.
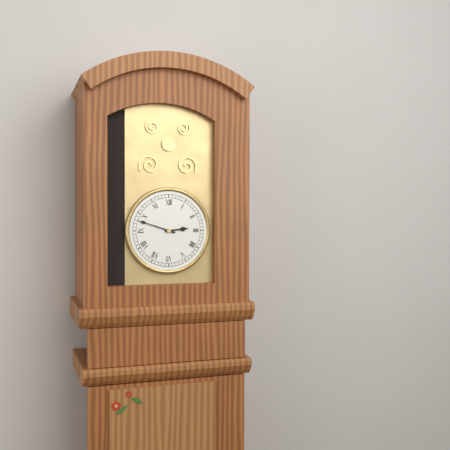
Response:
h=2 m=48
